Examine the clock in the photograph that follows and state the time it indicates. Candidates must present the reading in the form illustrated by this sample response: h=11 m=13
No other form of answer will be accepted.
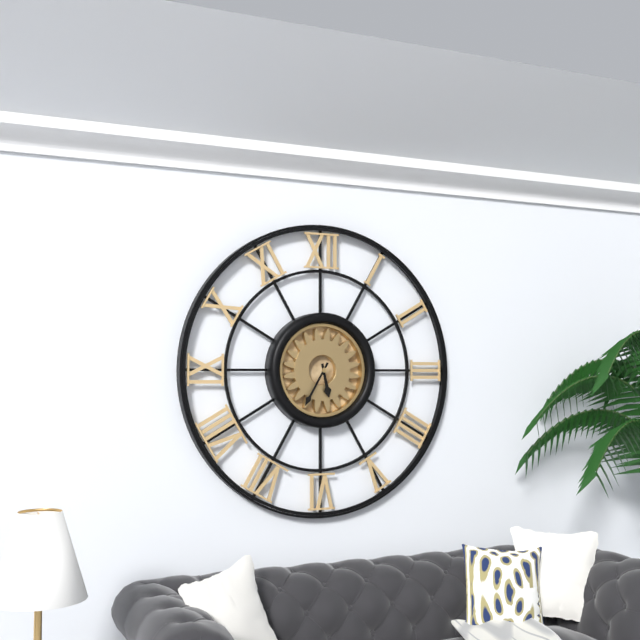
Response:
h=5 m=35
